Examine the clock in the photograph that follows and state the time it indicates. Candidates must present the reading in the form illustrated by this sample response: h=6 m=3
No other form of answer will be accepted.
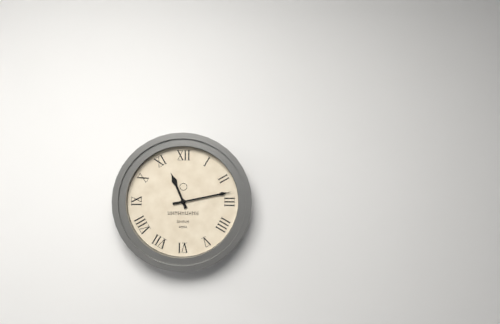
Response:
h=11 m=13
